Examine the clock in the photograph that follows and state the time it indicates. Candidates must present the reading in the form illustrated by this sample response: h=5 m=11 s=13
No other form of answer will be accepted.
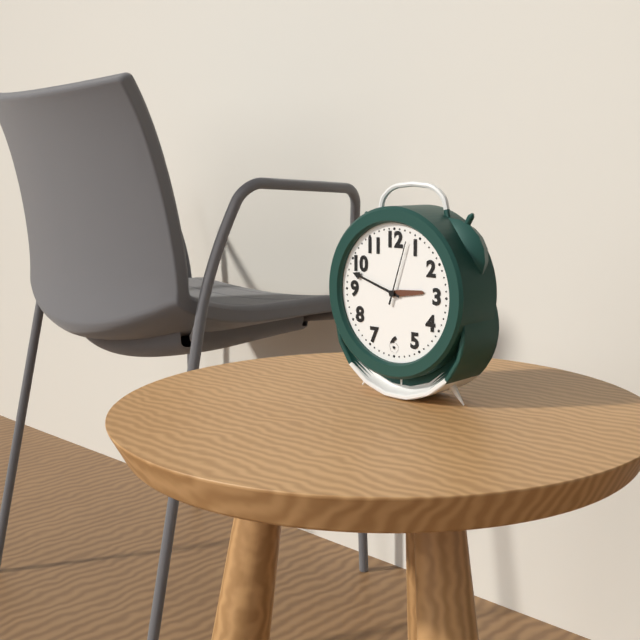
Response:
h=2 m=48 s=3
